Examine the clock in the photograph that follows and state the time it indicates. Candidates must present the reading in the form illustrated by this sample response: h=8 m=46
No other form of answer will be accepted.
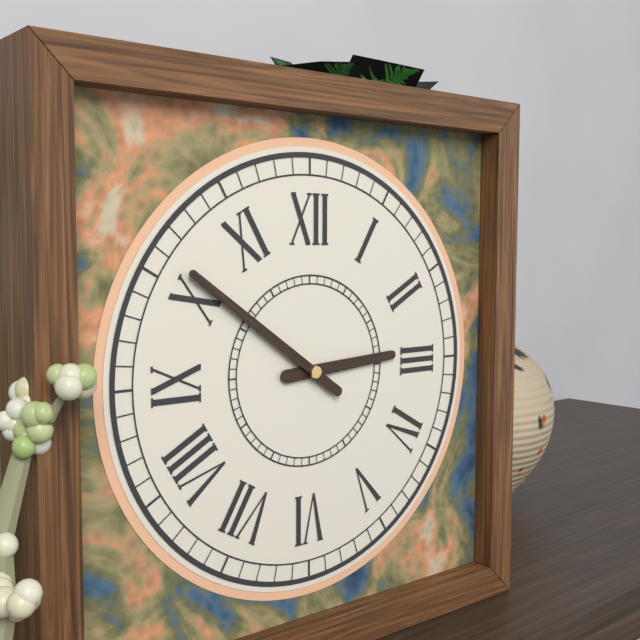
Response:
h=2 m=51
